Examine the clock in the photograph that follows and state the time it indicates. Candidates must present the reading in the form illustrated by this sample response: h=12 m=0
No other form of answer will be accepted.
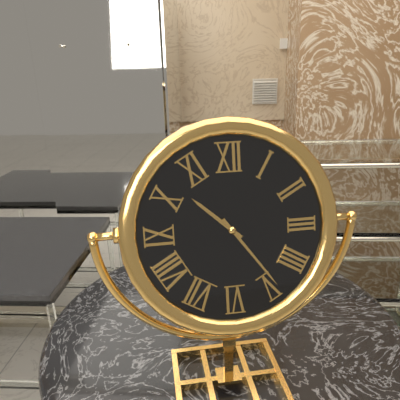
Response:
h=10 m=24
